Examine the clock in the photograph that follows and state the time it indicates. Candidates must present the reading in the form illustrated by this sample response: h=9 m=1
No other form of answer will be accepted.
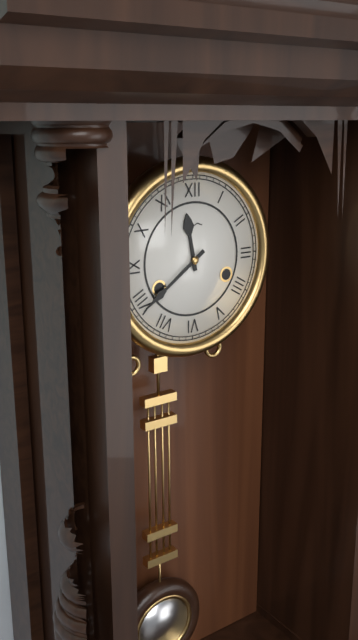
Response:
h=11 m=39
